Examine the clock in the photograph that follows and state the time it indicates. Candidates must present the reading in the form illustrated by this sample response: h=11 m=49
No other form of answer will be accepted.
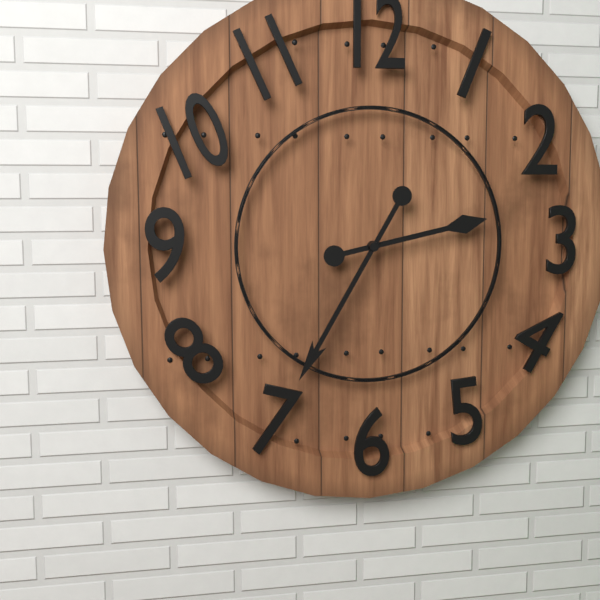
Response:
h=2 m=35
